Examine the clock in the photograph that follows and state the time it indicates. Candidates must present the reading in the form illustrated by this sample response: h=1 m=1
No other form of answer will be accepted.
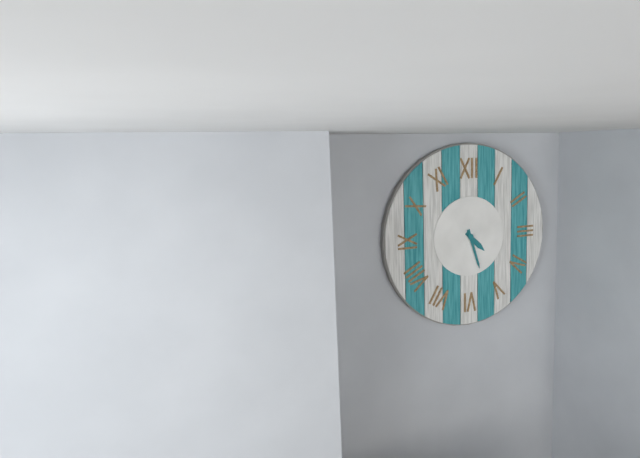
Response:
h=4 m=27
